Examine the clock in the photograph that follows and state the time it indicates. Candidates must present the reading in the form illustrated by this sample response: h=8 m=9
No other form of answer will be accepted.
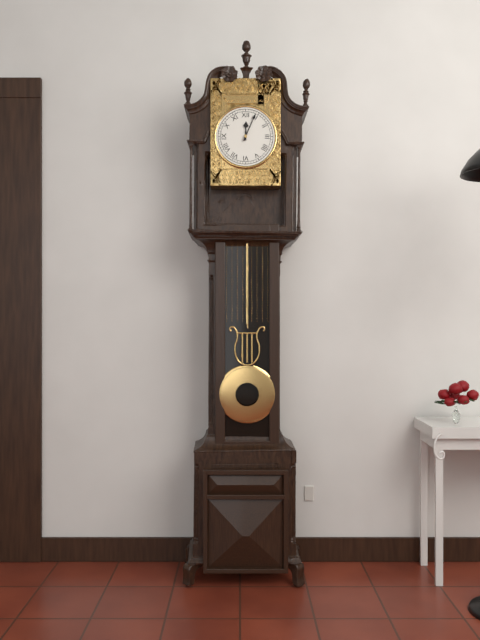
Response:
h=12 m=4
